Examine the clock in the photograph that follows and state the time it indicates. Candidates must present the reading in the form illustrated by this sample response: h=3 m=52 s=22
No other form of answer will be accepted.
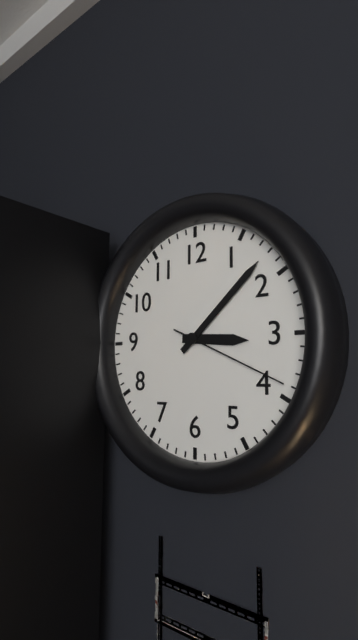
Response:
h=3 m=8 s=19
